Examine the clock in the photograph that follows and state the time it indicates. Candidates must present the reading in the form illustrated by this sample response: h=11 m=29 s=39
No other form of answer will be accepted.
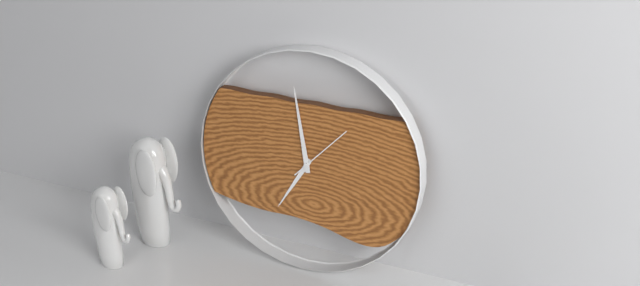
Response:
h=6 m=58 s=7
